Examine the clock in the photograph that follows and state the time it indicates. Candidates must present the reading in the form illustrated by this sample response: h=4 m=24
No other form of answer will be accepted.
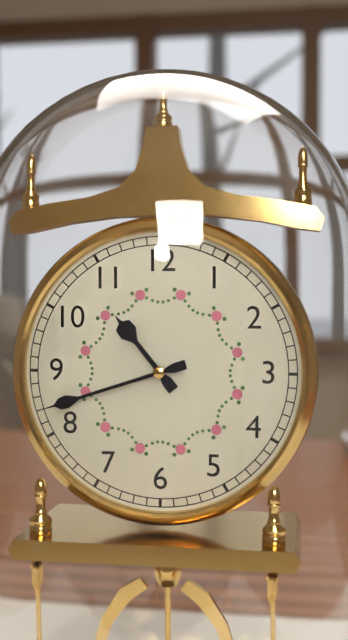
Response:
h=10 m=42
